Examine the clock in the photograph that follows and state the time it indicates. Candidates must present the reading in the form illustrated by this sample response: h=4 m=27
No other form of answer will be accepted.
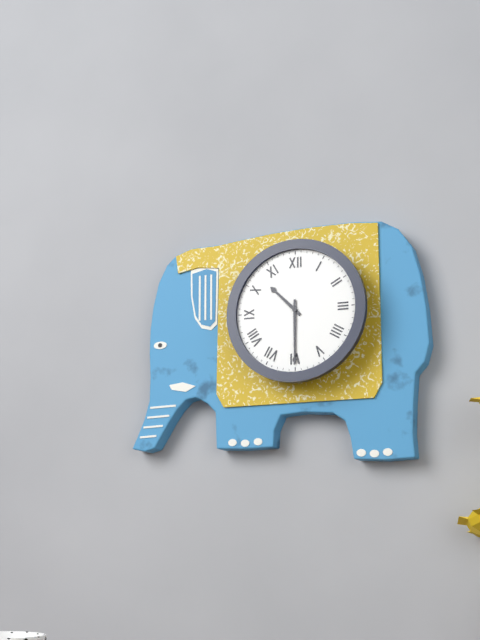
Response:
h=10 m=30
